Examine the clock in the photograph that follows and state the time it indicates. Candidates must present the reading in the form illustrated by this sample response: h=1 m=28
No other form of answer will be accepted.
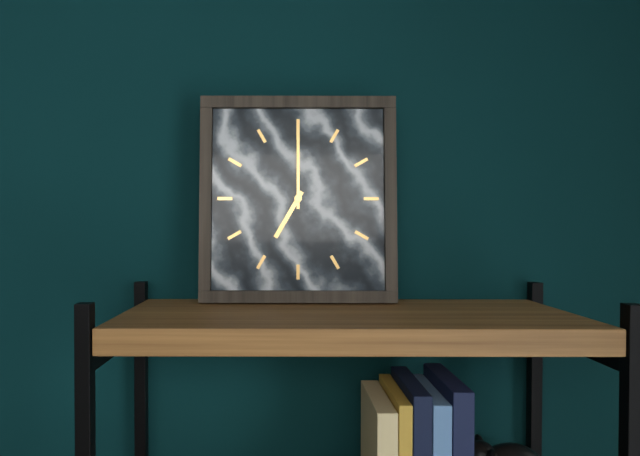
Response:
h=7 m=0
